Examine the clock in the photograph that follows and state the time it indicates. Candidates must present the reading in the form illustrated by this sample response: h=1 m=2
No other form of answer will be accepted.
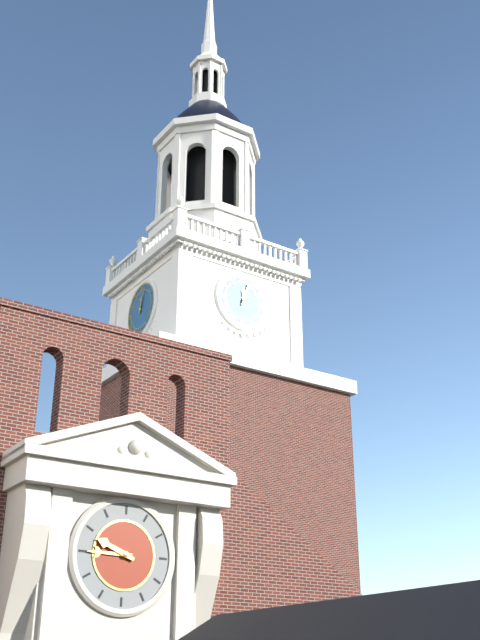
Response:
h=12 m=3
